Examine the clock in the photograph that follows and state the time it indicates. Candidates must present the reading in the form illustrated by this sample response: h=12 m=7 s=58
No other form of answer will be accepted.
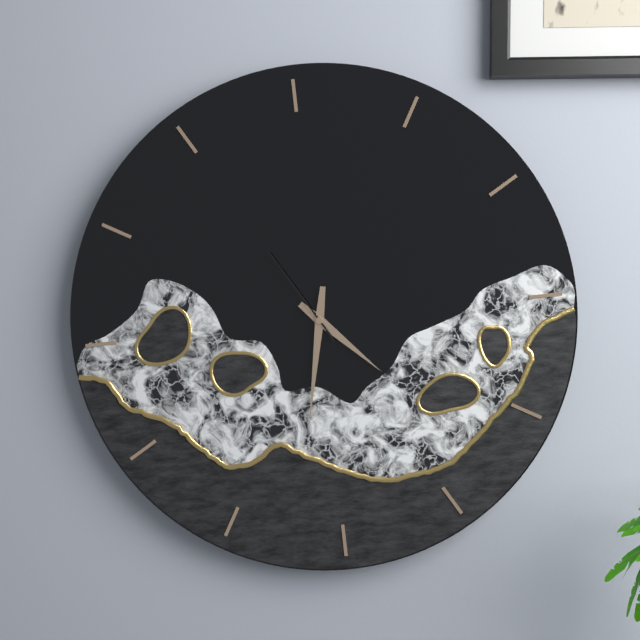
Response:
h=4 m=32 s=55
